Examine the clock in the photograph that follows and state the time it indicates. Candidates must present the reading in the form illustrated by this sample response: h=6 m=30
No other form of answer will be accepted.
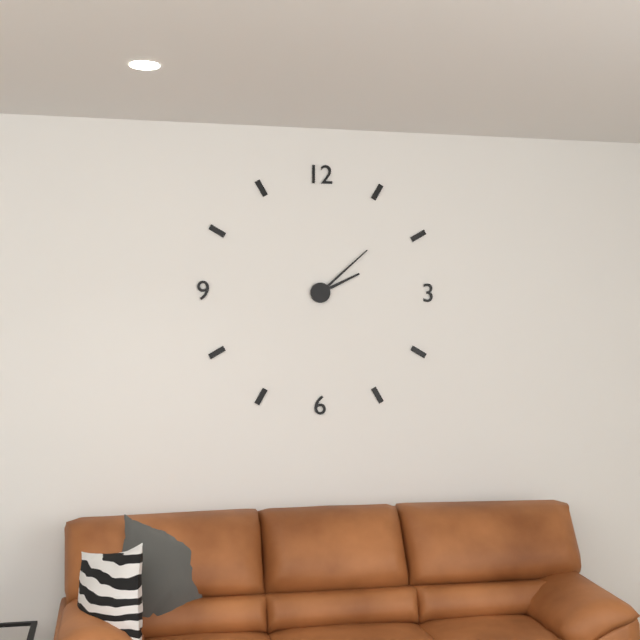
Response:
h=2 m=8
